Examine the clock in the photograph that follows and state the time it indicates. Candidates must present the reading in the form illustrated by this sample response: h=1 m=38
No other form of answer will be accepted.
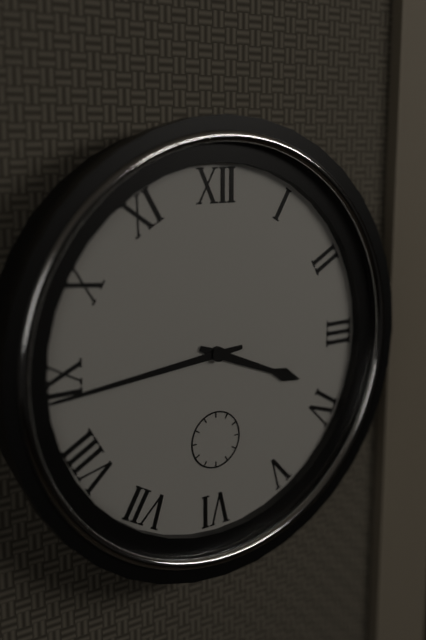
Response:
h=3 m=44
